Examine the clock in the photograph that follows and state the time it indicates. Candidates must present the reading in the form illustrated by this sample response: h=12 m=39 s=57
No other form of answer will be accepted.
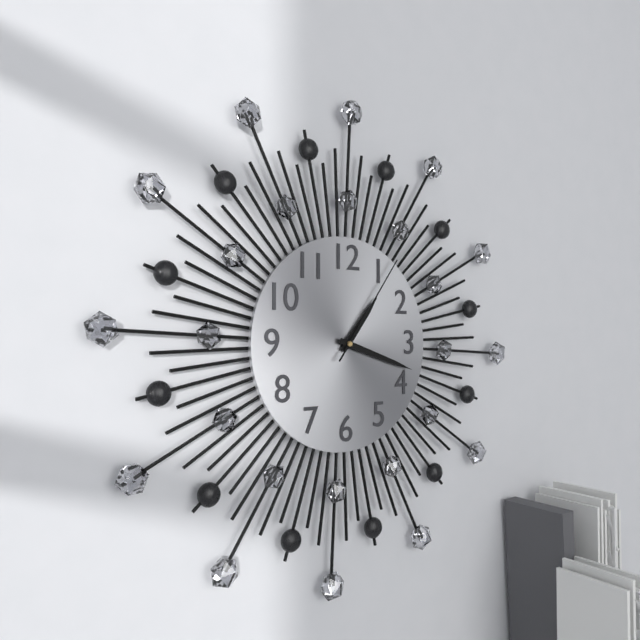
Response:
h=1 m=18 s=6
